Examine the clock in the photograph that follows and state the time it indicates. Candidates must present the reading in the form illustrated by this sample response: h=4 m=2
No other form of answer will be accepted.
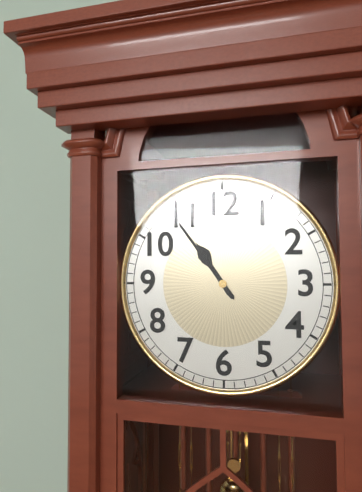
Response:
h=10 m=54
